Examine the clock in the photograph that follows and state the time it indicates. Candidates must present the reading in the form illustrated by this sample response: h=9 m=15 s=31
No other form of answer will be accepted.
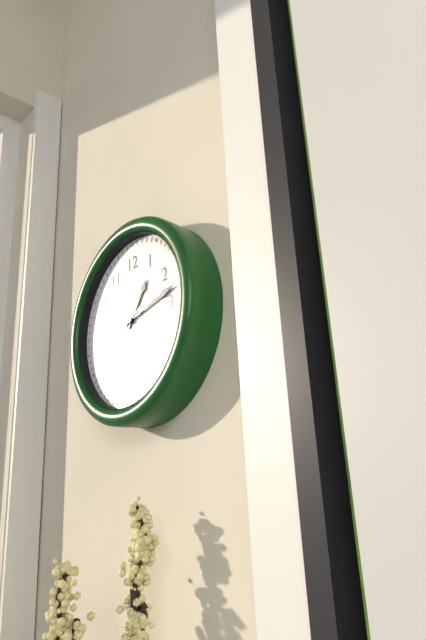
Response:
h=1 m=13 s=11
